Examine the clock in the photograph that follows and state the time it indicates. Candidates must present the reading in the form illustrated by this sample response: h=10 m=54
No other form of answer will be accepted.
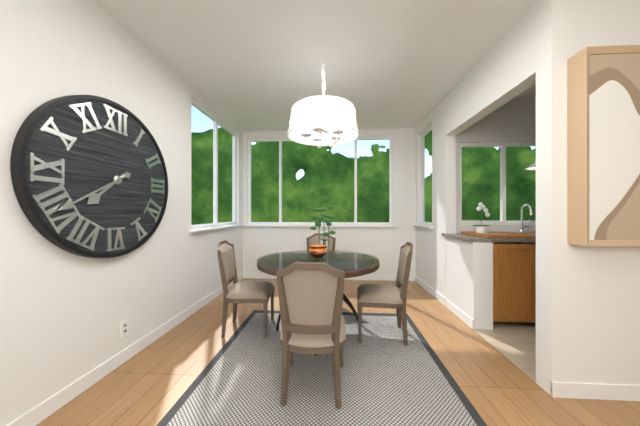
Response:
h=7 m=40
